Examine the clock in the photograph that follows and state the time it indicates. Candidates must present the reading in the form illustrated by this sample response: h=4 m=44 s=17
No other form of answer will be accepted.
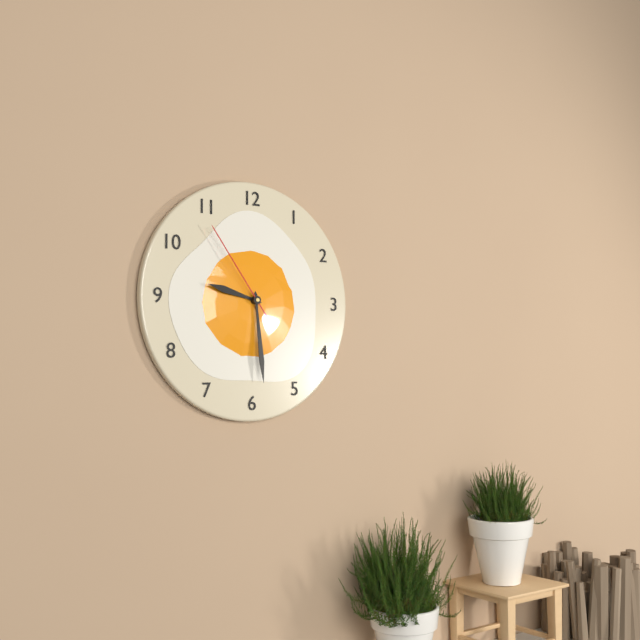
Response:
h=9 m=29 s=54
